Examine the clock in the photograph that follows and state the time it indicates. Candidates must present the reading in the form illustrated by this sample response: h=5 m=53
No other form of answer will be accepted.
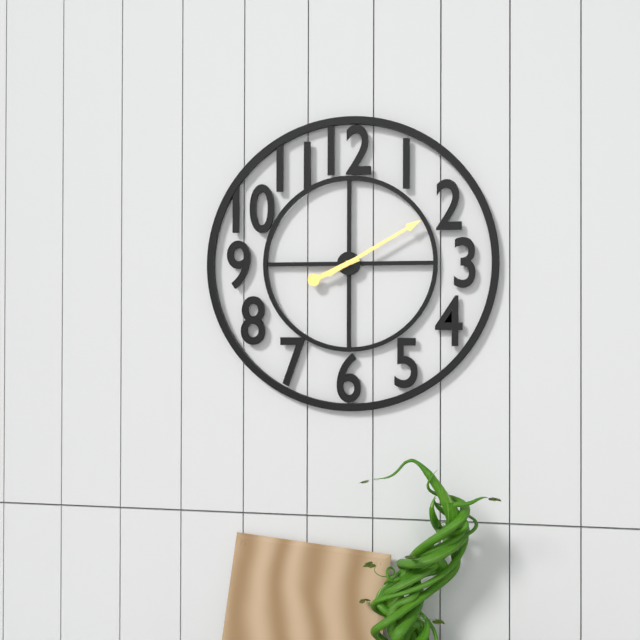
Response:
h=8 m=10
